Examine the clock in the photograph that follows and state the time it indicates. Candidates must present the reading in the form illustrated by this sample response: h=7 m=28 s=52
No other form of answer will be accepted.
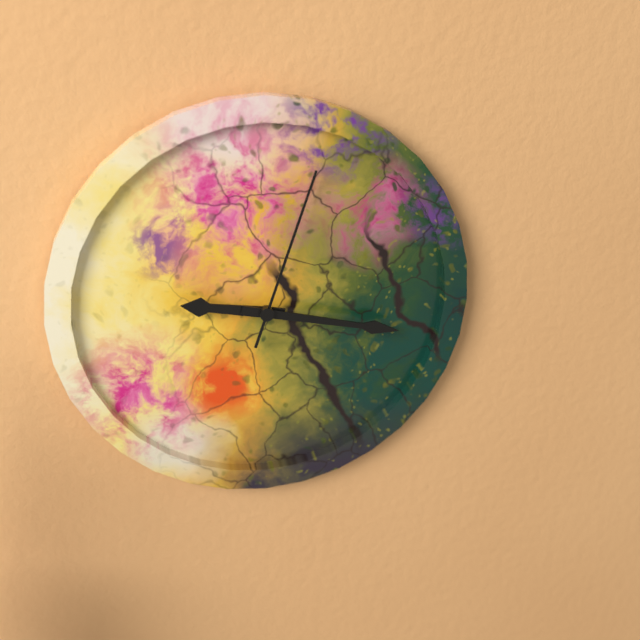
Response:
h=9 m=17 s=3
